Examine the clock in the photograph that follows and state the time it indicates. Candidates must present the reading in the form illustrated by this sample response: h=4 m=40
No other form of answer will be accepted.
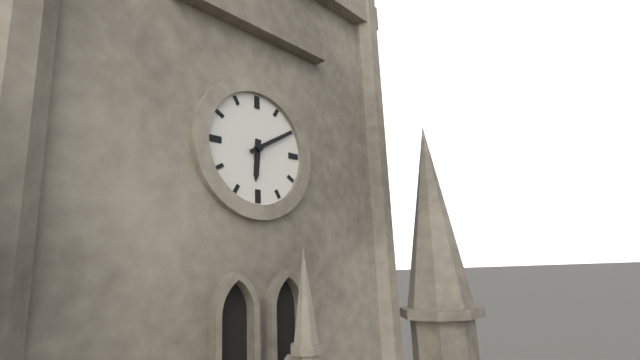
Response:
h=6 m=10
